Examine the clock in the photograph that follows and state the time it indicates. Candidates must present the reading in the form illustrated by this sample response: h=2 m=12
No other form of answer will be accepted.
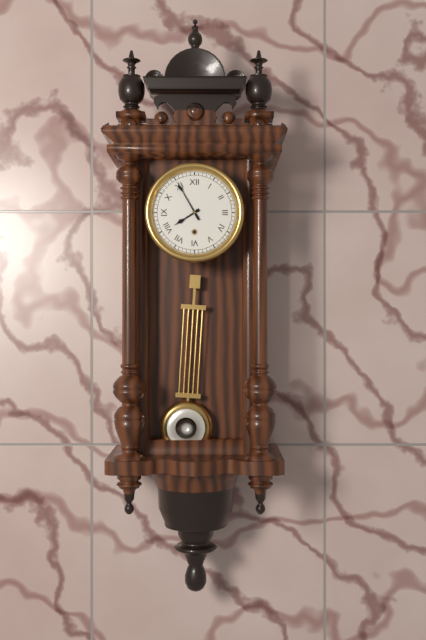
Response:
h=7 m=55
